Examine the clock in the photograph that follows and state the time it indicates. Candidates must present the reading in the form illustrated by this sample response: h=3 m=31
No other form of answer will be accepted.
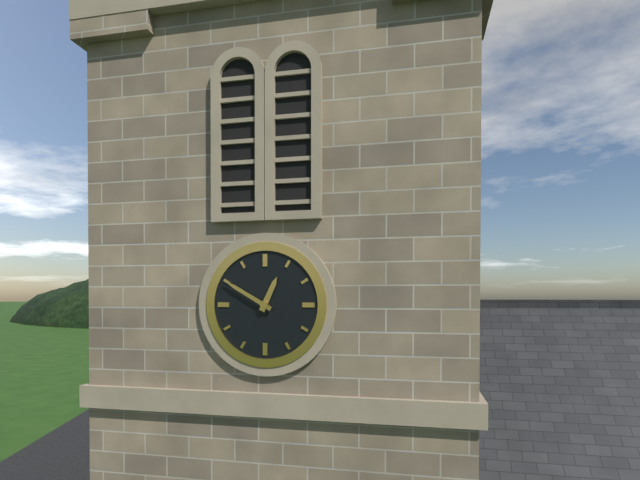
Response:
h=12 m=50
